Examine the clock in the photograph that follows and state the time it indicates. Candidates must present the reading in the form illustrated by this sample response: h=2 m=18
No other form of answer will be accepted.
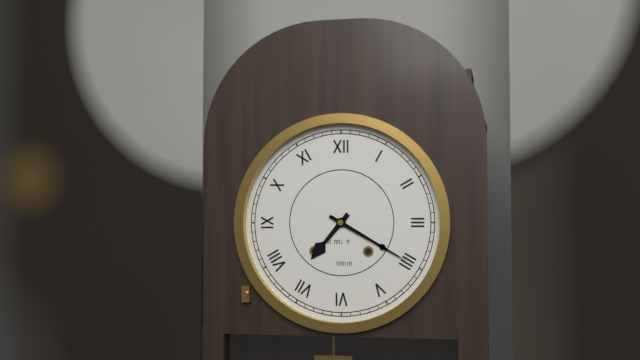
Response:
h=7 m=20
